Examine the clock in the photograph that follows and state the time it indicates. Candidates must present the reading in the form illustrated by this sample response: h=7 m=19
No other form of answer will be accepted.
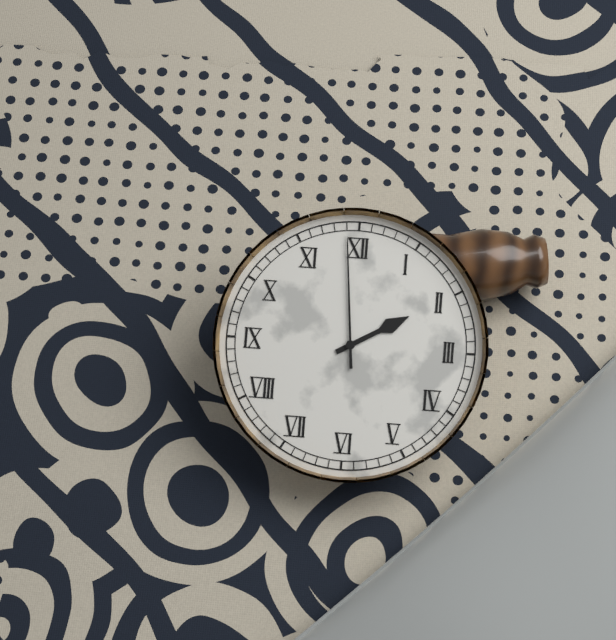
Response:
h=1 m=59
